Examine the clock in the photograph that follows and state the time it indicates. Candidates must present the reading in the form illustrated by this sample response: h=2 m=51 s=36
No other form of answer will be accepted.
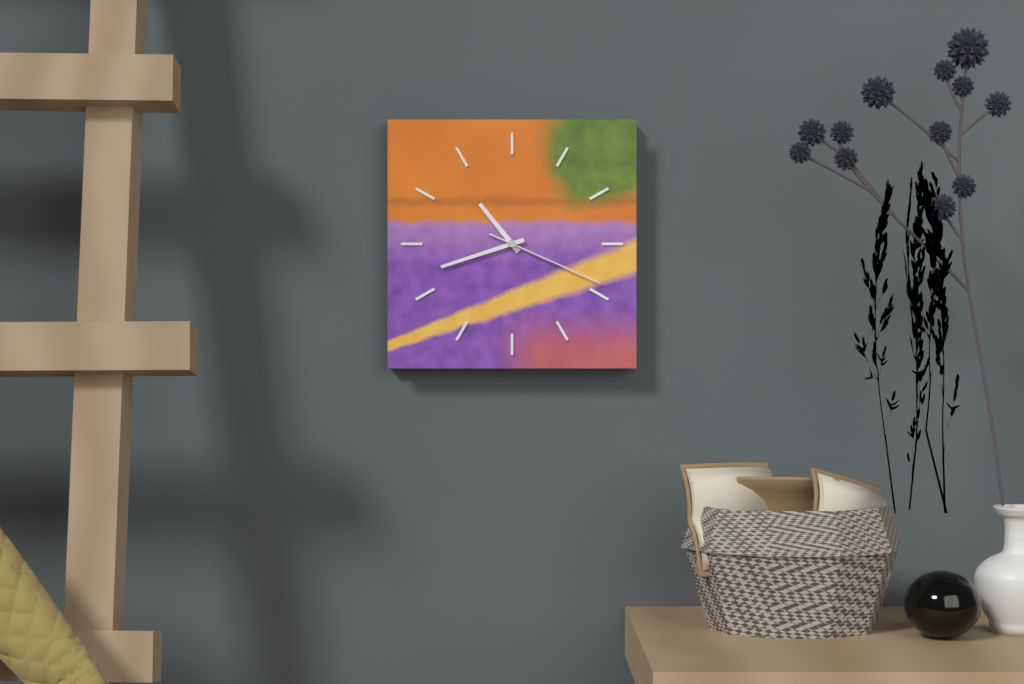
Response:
h=10 m=42 s=19
